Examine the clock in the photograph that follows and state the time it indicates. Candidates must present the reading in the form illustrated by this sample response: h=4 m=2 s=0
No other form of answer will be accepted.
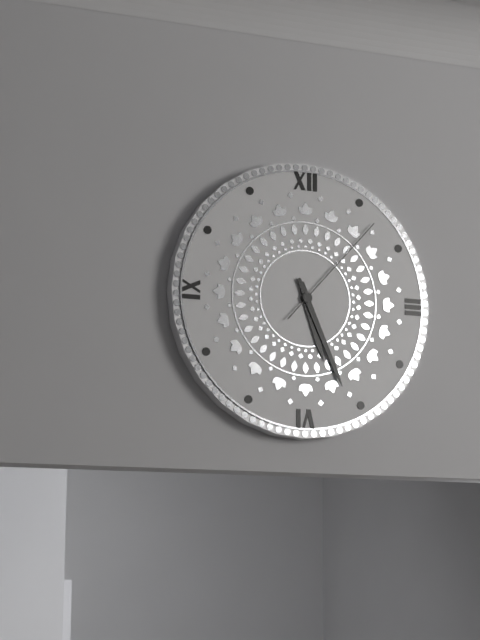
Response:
h=5 m=26 s=7
